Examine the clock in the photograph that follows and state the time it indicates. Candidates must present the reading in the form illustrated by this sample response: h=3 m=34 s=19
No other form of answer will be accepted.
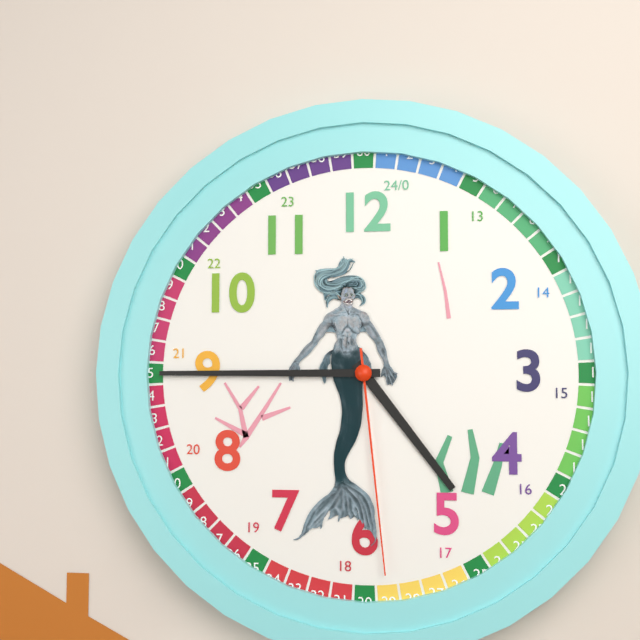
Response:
h=4 m=45 s=29
